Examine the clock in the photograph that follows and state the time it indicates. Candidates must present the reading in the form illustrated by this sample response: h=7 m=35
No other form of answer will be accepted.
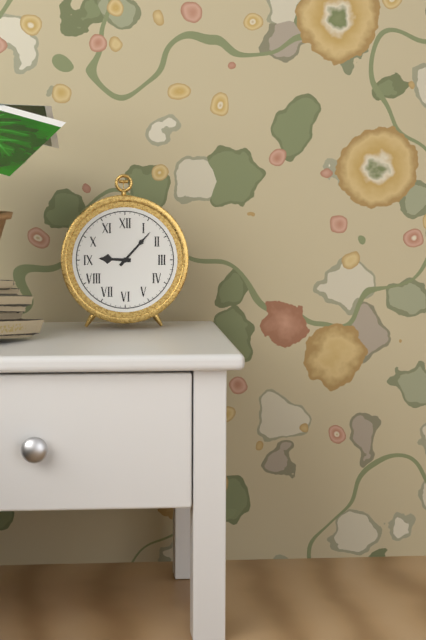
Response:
h=9 m=7
